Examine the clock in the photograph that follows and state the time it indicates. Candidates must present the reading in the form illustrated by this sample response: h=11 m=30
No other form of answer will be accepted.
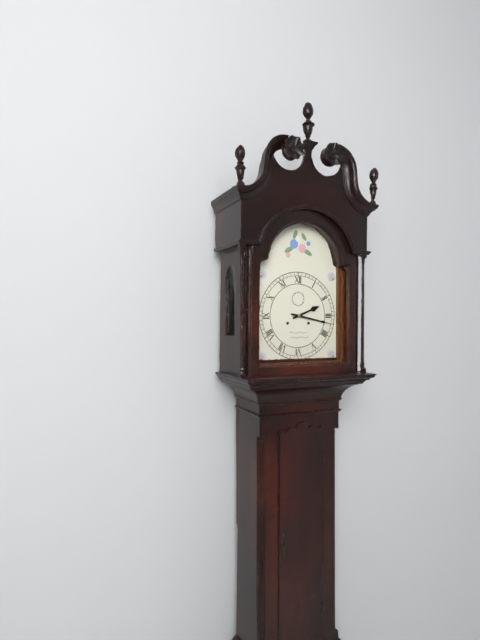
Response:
h=2 m=17
